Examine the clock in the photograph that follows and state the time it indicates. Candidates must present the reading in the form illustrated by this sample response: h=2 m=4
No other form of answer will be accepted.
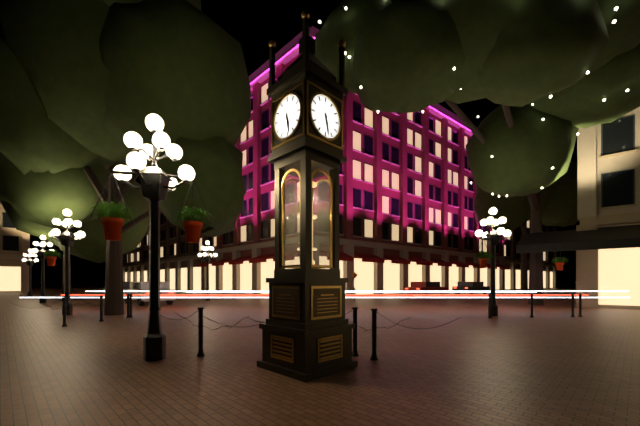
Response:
h=5 m=28
